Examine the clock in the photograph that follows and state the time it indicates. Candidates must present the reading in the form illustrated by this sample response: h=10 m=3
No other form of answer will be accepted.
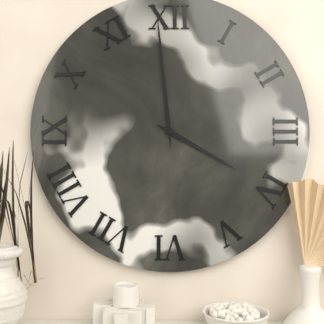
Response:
h=3 m=59
